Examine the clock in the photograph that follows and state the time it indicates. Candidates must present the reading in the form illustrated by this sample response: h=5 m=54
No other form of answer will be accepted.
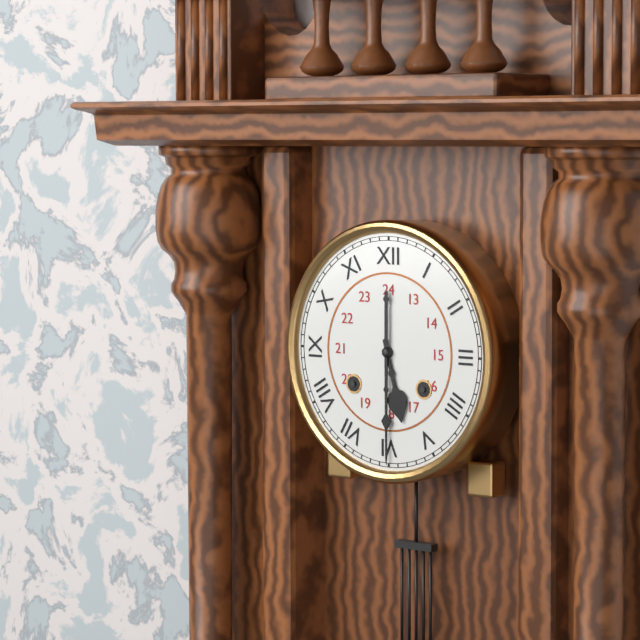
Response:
h=5 m=30
